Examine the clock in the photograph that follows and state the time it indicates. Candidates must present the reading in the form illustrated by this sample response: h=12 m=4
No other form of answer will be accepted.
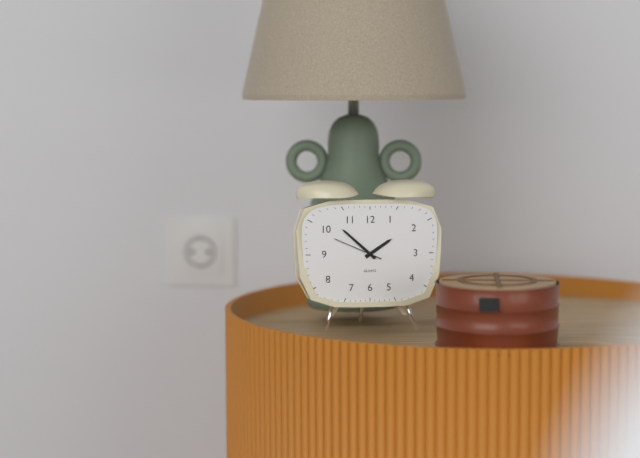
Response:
h=1 m=52
